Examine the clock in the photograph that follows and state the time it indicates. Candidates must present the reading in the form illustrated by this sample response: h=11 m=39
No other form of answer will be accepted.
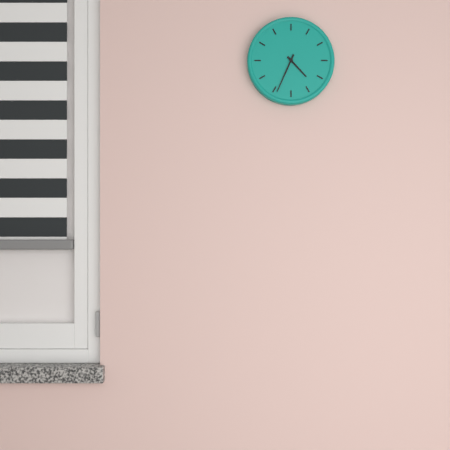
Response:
h=4 m=34
